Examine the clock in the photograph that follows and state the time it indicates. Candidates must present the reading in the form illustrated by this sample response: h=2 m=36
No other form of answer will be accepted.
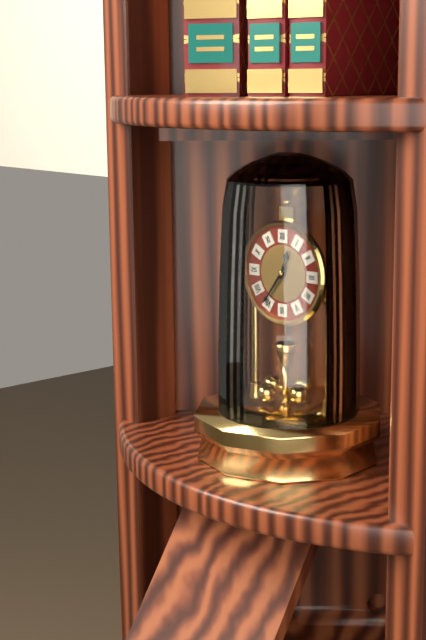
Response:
h=12 m=36
